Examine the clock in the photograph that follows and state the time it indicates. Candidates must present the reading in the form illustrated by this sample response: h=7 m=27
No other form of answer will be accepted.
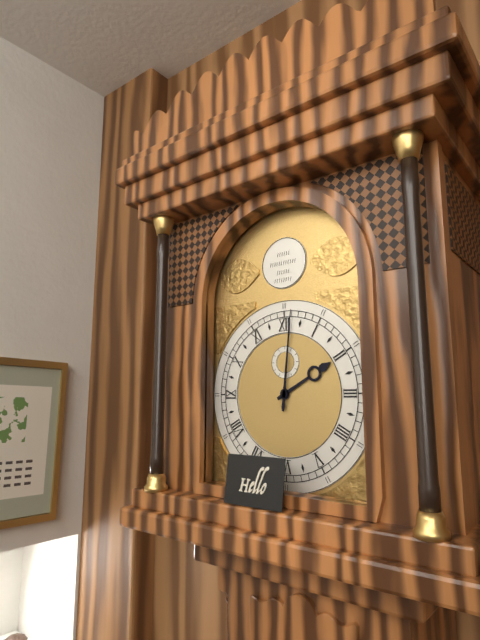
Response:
h=2 m=1
